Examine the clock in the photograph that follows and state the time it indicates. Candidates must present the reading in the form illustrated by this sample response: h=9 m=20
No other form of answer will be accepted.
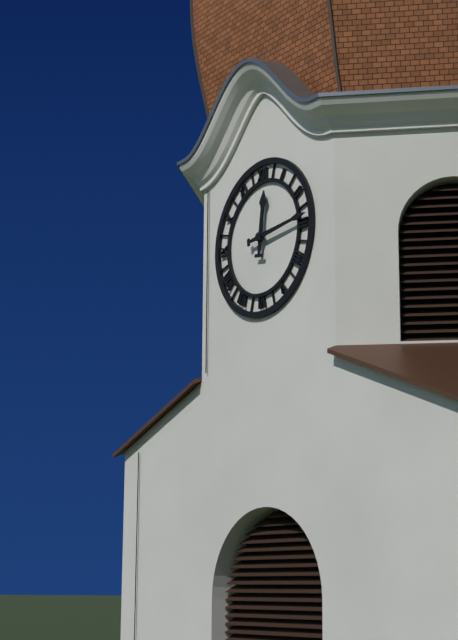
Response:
h=12 m=14
